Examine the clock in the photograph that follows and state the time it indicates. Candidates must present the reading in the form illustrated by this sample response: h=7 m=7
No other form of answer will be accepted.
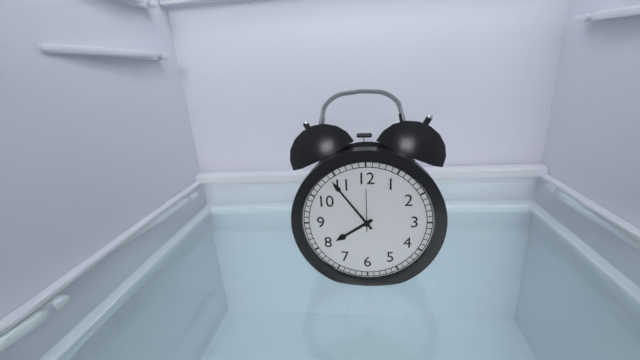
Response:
h=7 m=54
